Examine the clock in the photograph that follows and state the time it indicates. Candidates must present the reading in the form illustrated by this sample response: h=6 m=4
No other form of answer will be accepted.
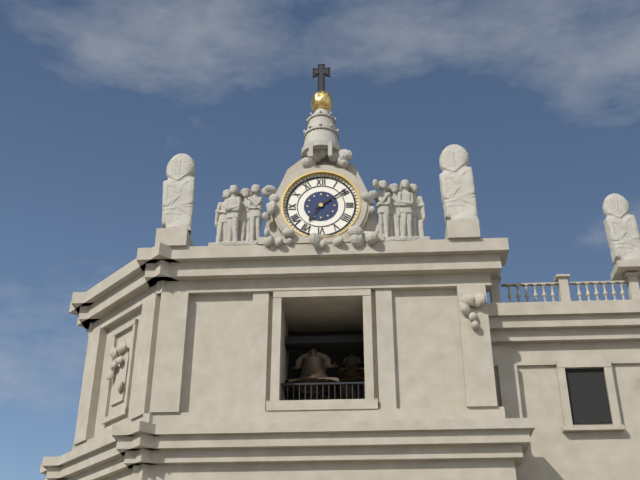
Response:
h=7 m=9
